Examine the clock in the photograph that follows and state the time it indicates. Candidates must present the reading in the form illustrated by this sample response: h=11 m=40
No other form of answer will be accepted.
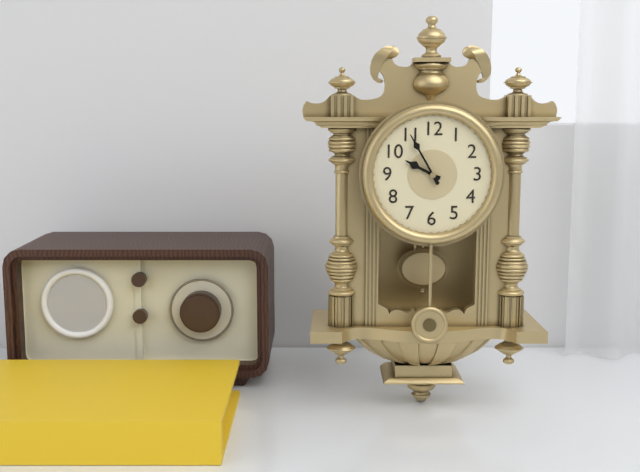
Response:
h=9 m=55
